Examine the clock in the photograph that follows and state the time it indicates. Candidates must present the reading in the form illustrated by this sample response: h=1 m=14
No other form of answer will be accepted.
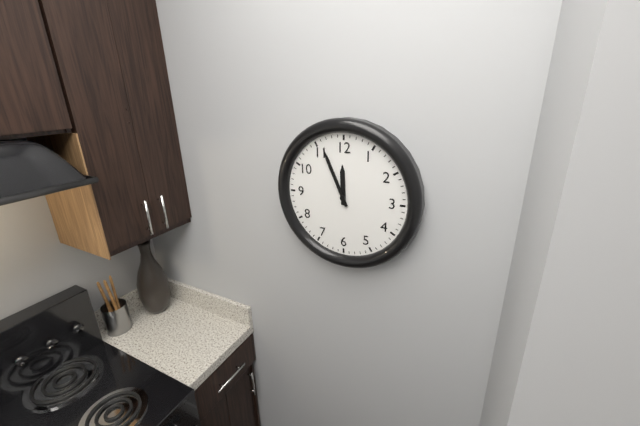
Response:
h=11 m=56
